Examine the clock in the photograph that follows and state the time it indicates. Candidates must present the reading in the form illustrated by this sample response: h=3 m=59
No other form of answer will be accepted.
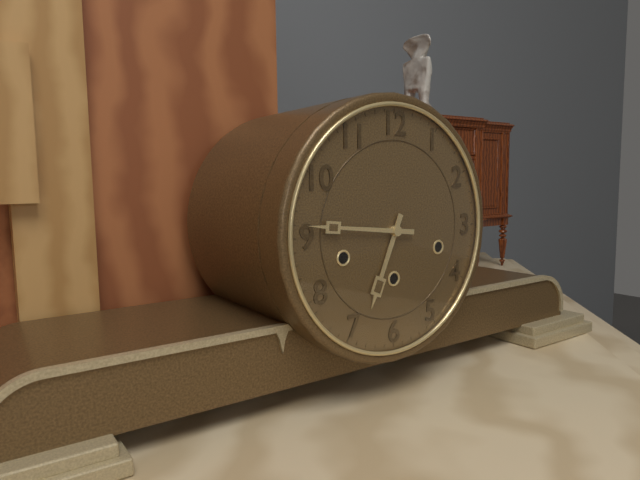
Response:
h=6 m=46
